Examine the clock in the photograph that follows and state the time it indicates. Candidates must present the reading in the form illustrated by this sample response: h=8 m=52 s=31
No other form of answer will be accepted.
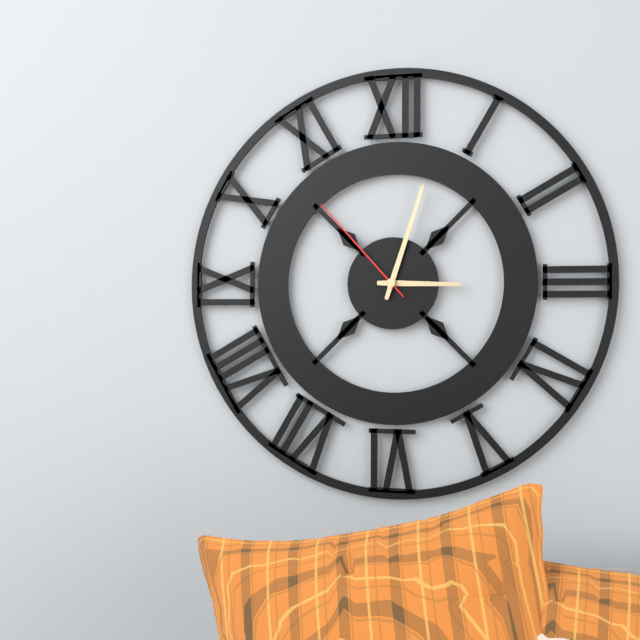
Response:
h=3 m=3 s=53
